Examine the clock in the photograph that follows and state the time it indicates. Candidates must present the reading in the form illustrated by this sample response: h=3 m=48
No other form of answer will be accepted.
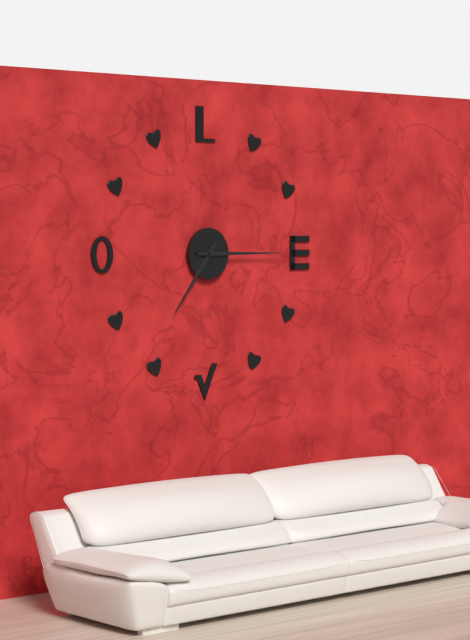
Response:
h=7 m=15
